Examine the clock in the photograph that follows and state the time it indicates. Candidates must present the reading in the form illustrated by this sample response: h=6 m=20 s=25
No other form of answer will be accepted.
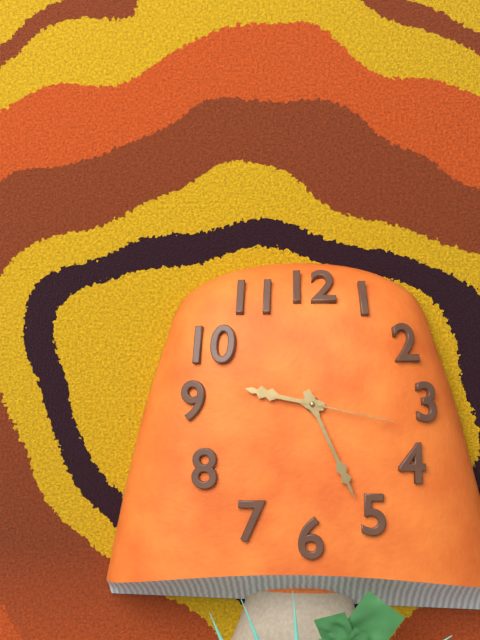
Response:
h=9 m=26 s=17
